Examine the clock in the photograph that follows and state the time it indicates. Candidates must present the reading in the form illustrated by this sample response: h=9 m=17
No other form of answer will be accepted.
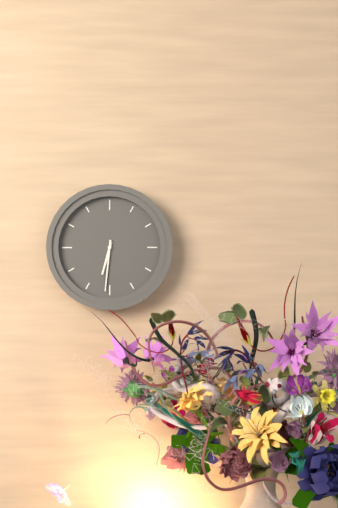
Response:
h=6 m=31
